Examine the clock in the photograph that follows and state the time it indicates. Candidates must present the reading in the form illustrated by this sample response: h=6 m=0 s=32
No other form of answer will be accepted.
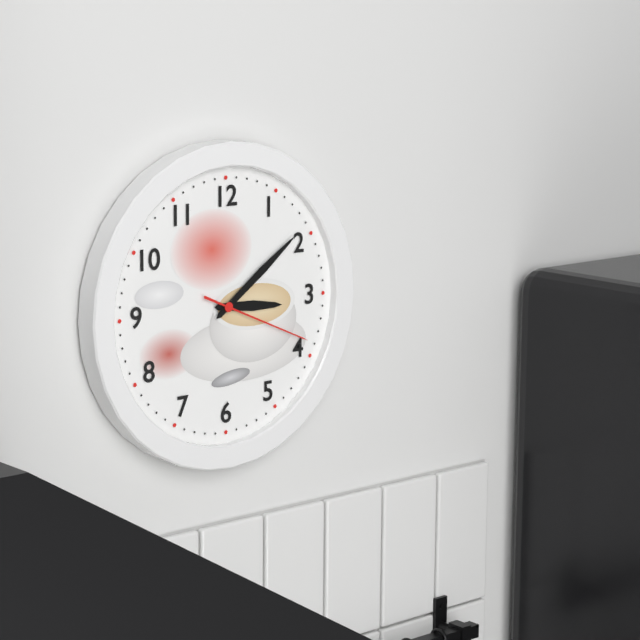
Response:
h=3 m=9 s=19
